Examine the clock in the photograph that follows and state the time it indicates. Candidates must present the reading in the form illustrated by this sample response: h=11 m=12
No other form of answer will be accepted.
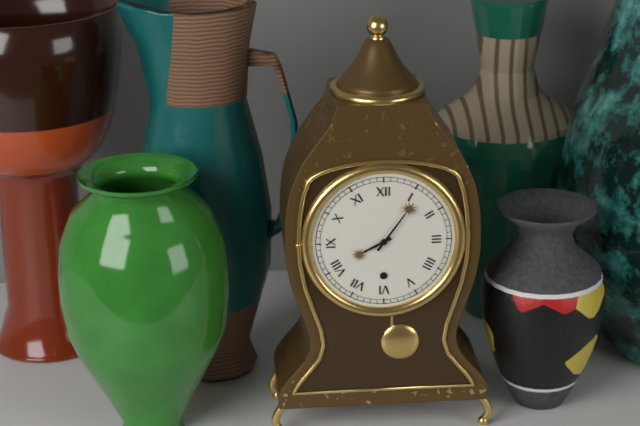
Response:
h=8 m=6
